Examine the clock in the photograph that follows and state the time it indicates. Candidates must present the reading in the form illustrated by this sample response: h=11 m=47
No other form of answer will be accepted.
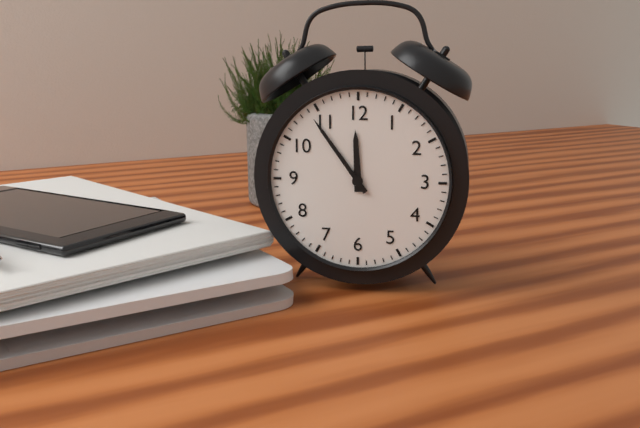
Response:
h=11 m=54
